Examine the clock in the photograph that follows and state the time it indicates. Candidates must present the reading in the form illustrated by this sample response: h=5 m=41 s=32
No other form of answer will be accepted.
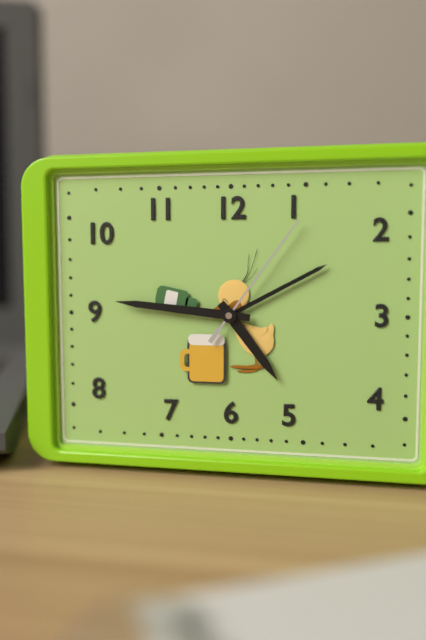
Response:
h=4 m=46 s=6
